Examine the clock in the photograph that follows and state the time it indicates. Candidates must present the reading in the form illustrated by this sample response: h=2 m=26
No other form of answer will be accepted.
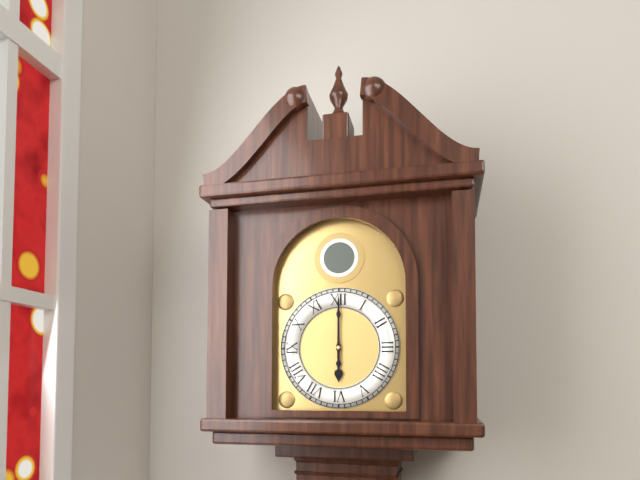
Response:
h=6 m=0
